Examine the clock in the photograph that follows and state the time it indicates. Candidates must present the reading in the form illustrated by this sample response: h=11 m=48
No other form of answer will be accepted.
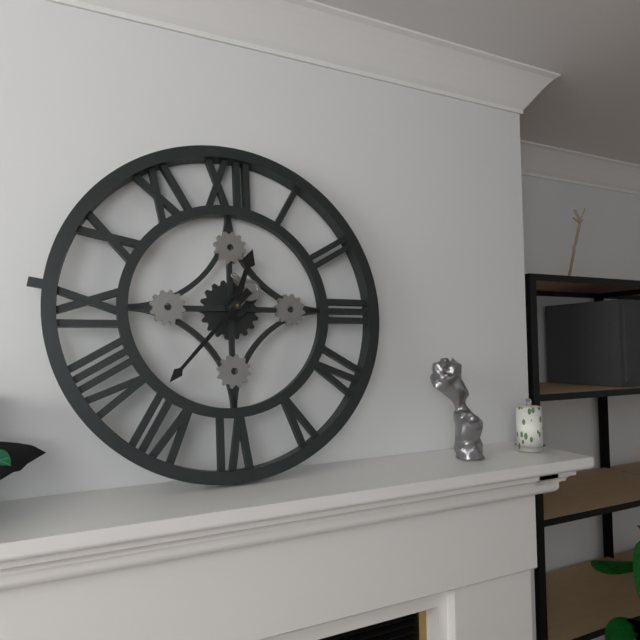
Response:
h=12 m=37
